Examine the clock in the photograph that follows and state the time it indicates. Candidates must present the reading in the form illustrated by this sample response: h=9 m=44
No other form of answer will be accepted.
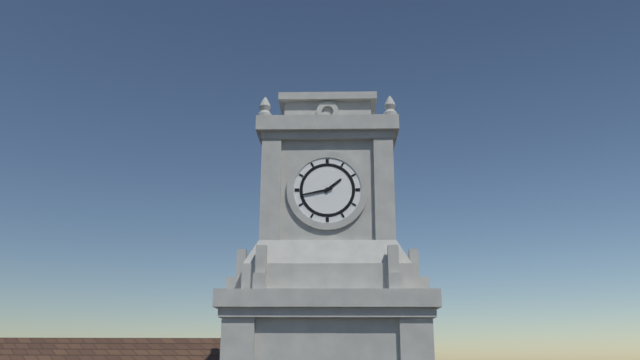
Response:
h=1 m=43
